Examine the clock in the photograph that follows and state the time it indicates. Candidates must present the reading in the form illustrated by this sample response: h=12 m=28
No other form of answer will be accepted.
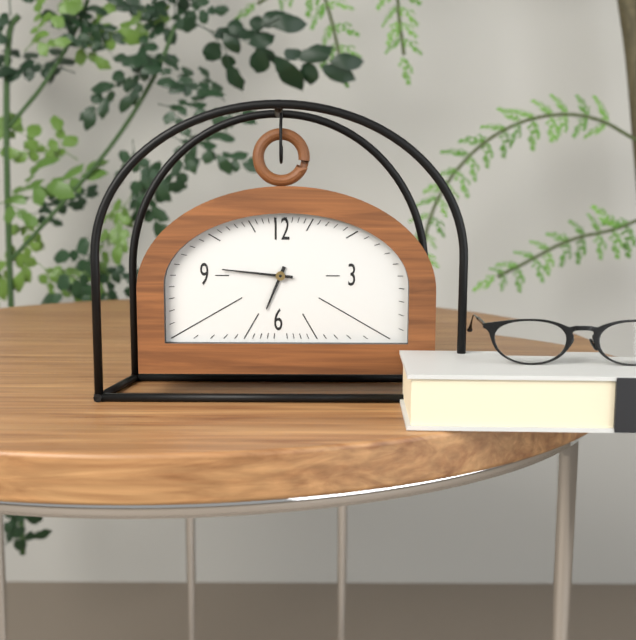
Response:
h=6 m=46
